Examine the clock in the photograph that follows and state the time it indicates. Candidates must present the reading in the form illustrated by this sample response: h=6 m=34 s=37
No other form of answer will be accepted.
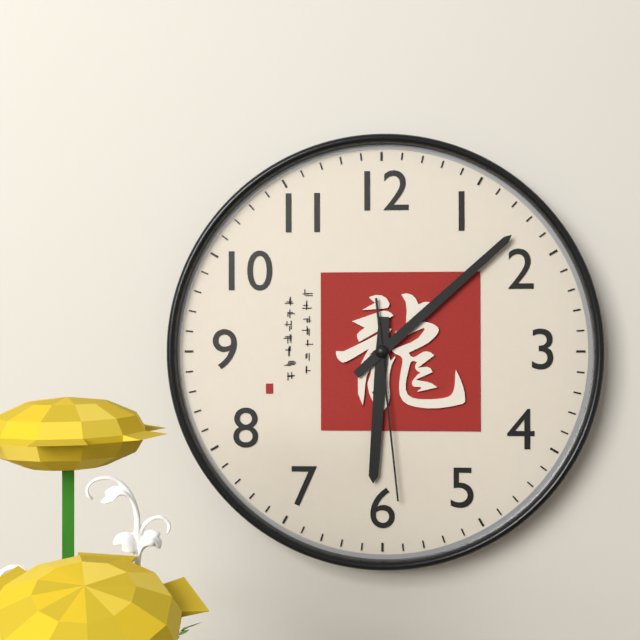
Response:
h=6 m=8 s=29
